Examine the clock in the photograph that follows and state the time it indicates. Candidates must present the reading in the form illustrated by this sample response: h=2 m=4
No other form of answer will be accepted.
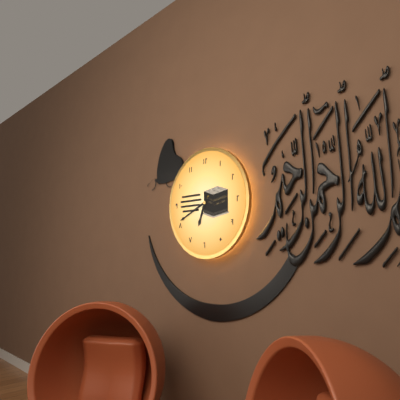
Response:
h=6 m=41
